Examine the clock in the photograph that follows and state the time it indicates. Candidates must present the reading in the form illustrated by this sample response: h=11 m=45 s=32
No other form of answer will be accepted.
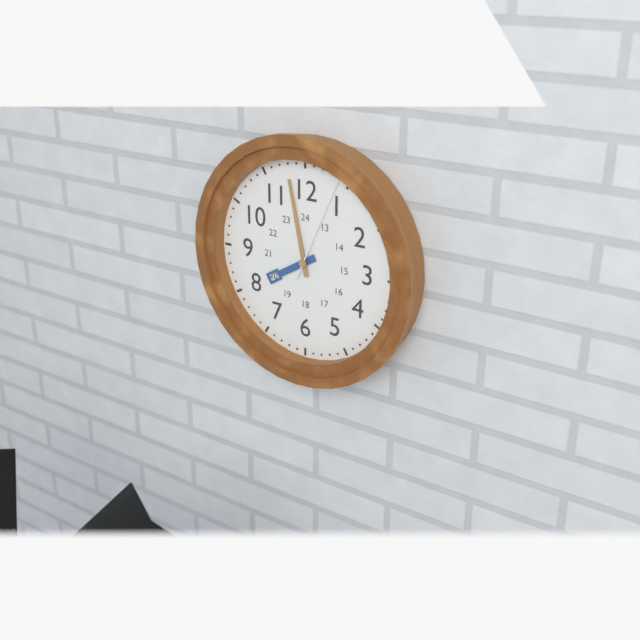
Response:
h=7 m=58 s=4
